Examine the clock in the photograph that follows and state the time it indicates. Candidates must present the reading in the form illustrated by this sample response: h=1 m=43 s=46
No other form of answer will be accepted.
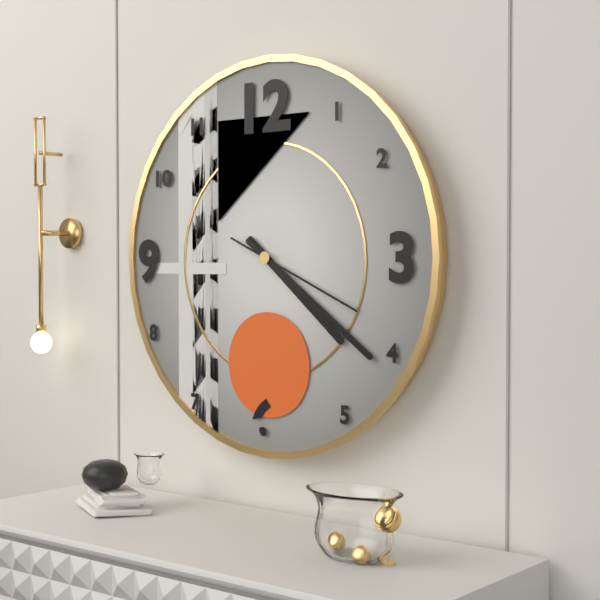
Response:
h=4 m=21 s=19
